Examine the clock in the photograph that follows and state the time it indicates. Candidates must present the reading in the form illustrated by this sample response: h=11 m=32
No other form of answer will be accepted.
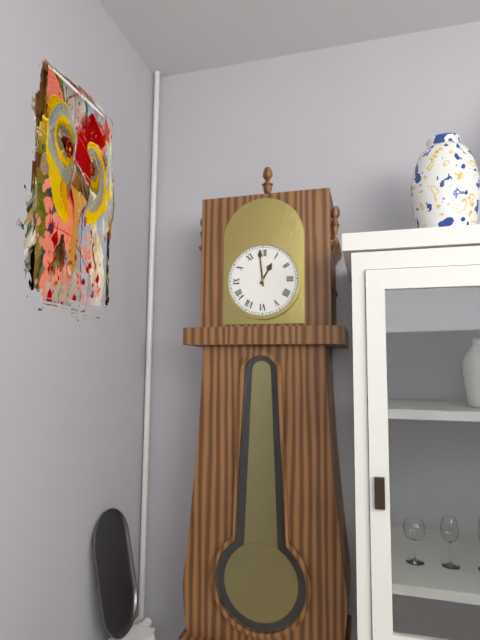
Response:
h=12 m=59
